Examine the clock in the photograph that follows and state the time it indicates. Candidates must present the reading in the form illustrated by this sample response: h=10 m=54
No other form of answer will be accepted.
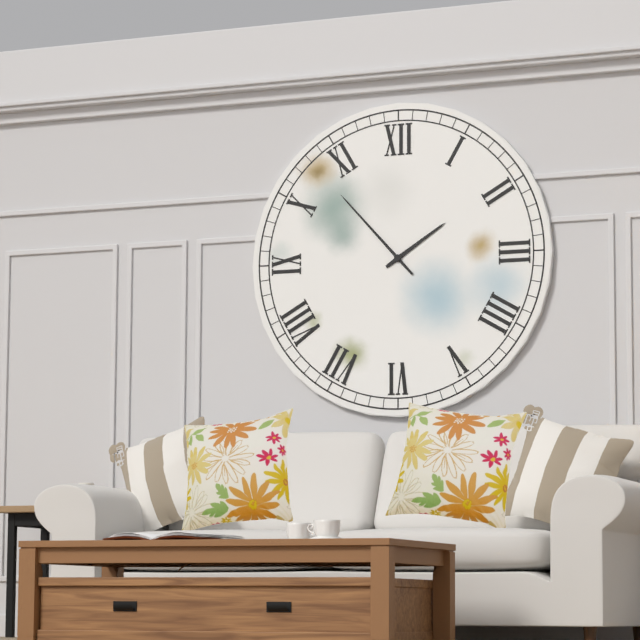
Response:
h=1 m=53
